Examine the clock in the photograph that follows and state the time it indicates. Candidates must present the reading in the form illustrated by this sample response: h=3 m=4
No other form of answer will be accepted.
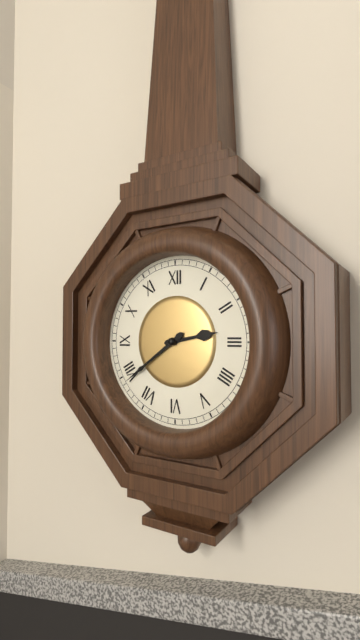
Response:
h=2 m=39
